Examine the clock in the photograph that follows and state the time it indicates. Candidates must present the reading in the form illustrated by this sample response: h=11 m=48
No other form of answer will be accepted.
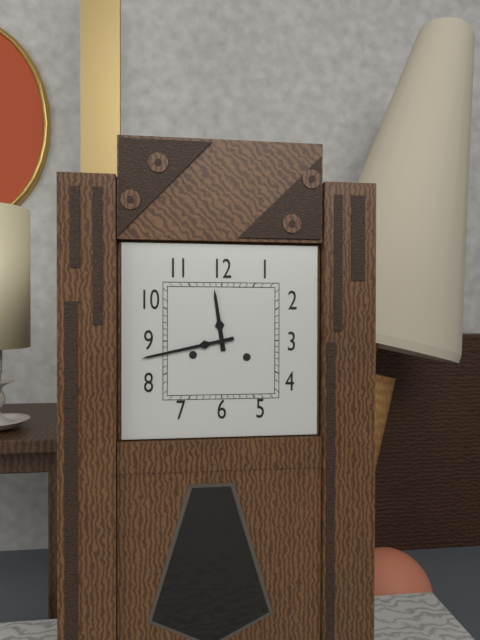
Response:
h=11 m=43
